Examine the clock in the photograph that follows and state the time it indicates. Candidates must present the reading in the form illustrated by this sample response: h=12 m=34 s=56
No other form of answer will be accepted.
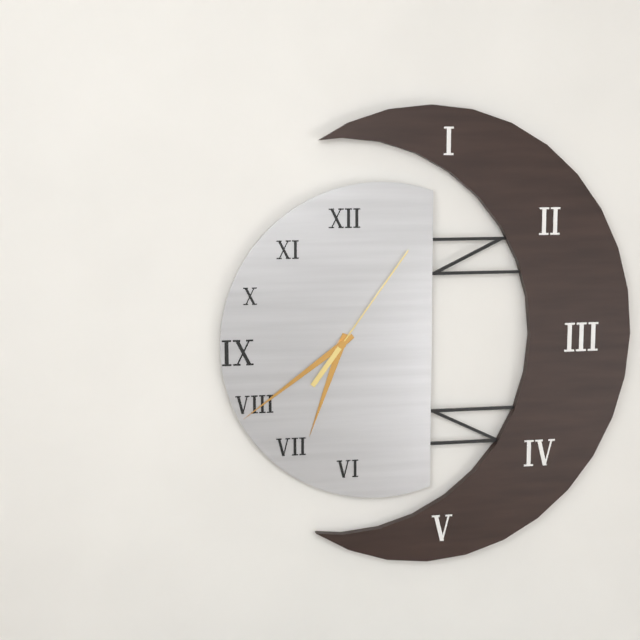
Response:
h=6 m=39 s=6
